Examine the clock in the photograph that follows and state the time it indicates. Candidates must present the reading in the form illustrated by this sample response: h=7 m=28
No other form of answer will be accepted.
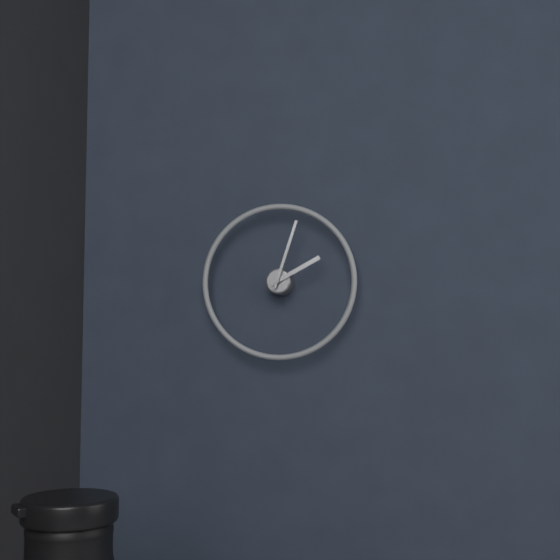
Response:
h=2 m=3
